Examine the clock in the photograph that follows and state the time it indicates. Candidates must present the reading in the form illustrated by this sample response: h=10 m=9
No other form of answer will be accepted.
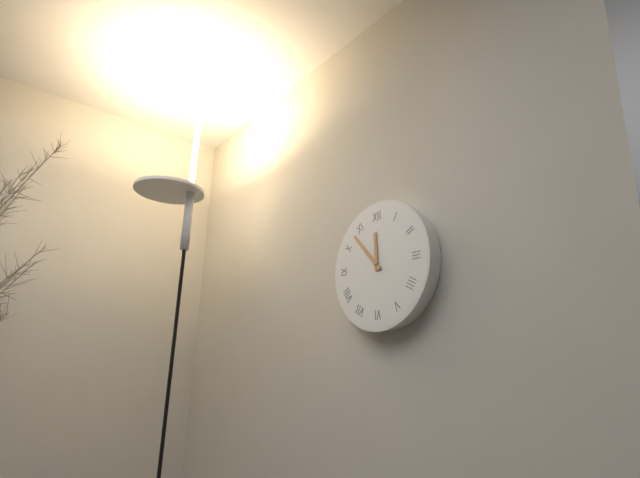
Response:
h=11 m=53
